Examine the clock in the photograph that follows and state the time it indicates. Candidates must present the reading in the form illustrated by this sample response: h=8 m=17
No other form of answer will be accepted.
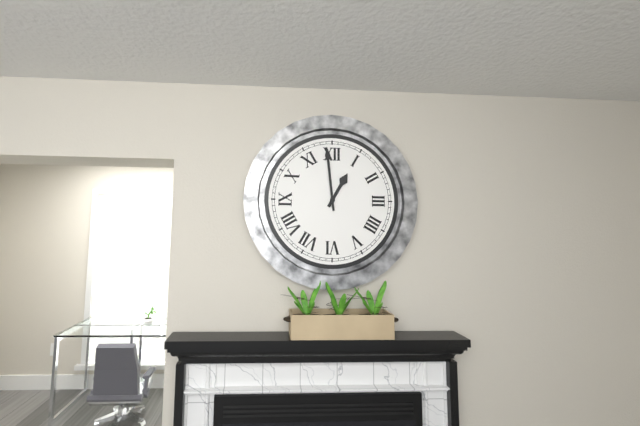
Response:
h=12 m=59
